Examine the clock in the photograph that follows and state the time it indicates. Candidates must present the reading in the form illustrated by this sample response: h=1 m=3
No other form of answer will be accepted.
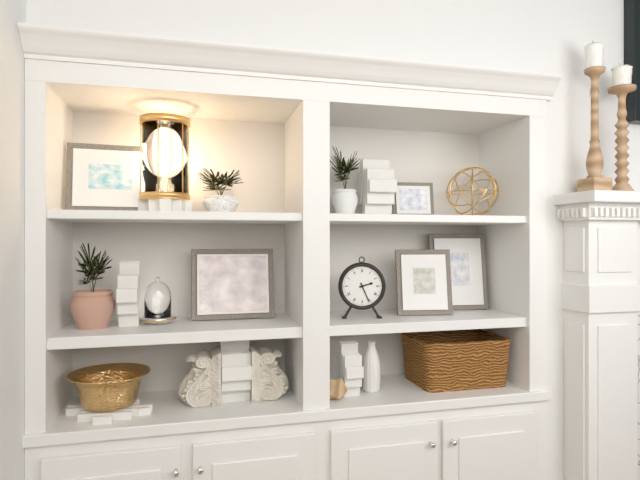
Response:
h=2 m=26
